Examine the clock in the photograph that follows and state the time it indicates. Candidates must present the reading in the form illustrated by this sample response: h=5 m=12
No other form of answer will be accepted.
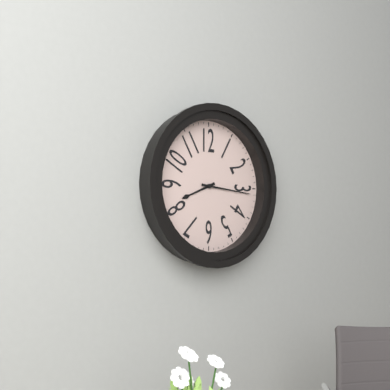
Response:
h=8 m=16
